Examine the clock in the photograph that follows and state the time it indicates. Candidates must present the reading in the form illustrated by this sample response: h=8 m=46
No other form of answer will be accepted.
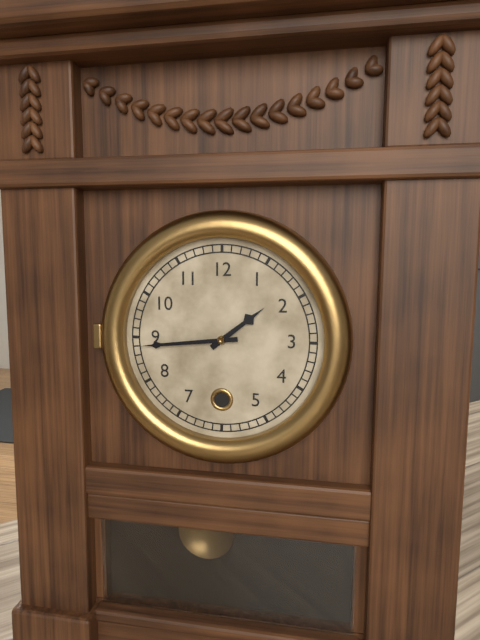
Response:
h=1 m=44
